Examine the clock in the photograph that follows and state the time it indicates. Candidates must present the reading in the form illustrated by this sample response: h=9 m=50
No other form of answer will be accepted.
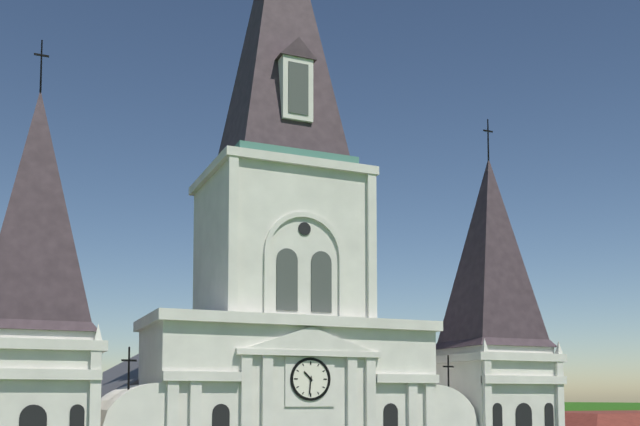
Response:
h=10 m=31
